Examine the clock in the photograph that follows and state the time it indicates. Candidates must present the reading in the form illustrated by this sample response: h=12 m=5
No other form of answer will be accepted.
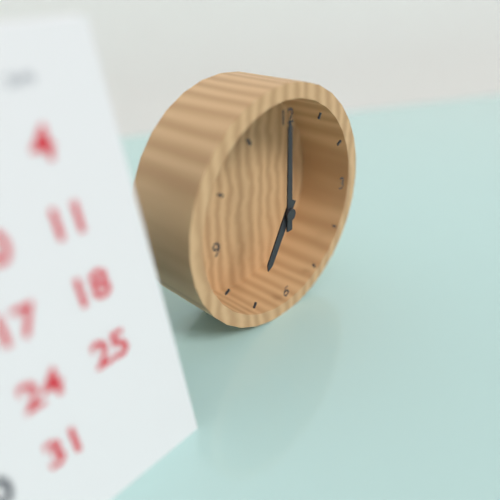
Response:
h=7 m=0
